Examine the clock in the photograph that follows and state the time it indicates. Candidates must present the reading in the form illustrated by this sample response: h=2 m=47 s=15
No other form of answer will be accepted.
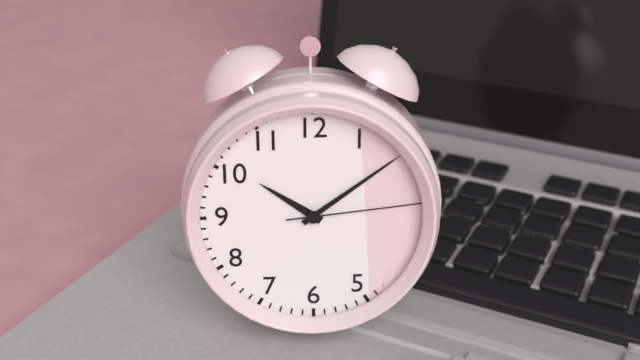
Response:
h=10 m=9 s=14
